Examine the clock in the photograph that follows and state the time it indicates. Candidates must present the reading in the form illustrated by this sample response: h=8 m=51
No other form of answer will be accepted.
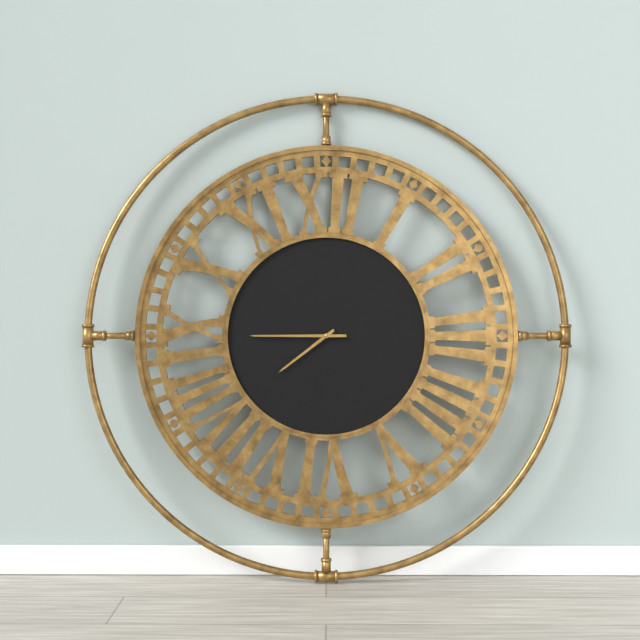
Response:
h=7 m=45
